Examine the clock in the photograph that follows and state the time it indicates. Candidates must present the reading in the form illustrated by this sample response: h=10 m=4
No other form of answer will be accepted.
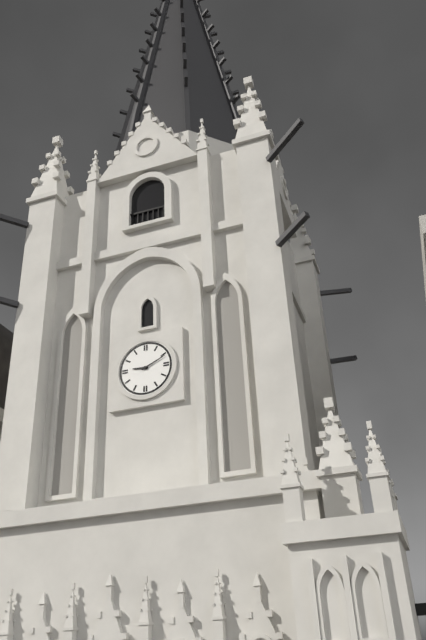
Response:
h=9 m=11
